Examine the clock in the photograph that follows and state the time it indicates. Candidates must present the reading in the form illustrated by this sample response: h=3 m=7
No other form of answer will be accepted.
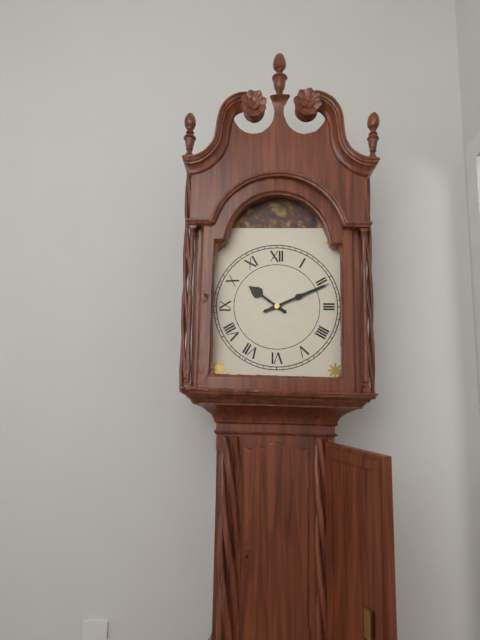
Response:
h=10 m=11
